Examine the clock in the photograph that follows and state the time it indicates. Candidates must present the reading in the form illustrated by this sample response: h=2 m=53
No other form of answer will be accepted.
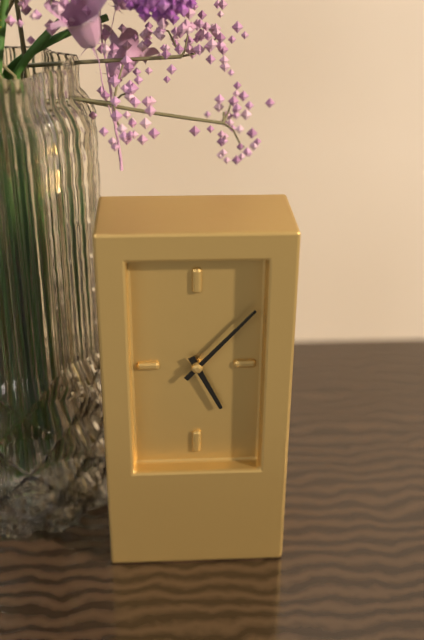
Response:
h=5 m=7
